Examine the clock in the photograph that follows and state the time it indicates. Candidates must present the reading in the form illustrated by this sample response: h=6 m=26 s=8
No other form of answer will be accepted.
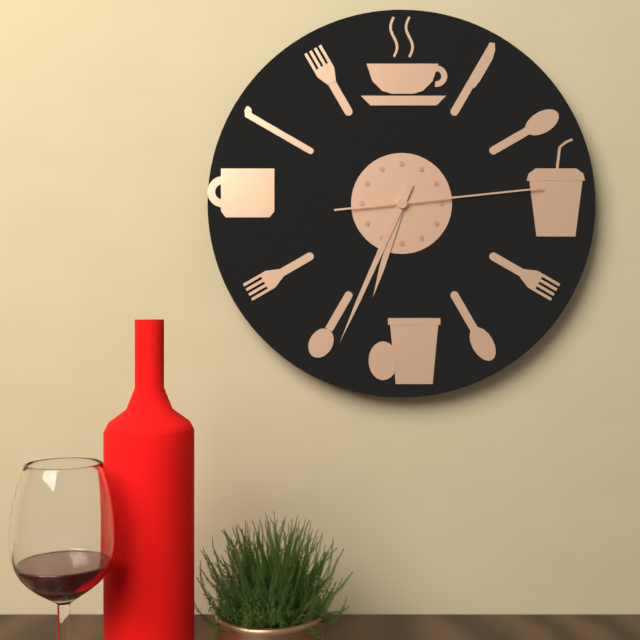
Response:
h=6 m=34 s=14
